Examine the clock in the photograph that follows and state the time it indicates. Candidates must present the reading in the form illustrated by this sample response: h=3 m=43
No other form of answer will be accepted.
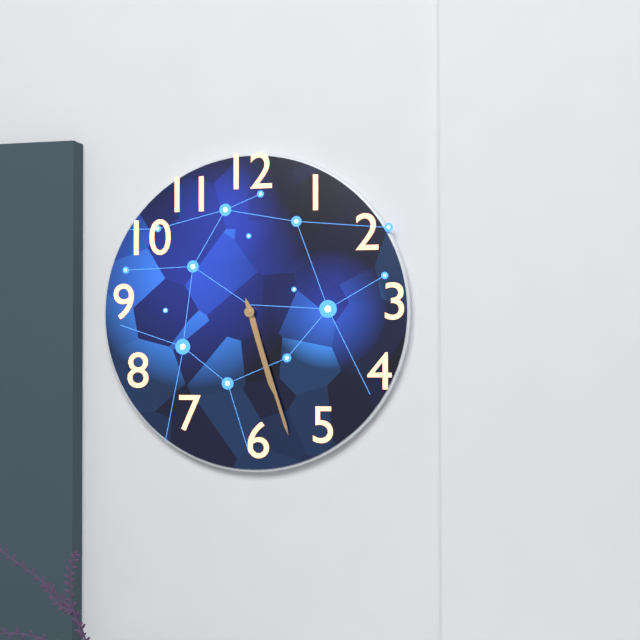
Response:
h=5 m=27
